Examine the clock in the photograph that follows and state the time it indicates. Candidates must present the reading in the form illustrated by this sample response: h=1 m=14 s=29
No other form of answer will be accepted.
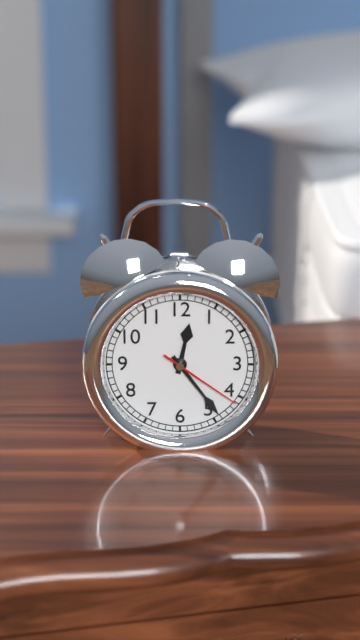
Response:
h=12 m=24 s=21
